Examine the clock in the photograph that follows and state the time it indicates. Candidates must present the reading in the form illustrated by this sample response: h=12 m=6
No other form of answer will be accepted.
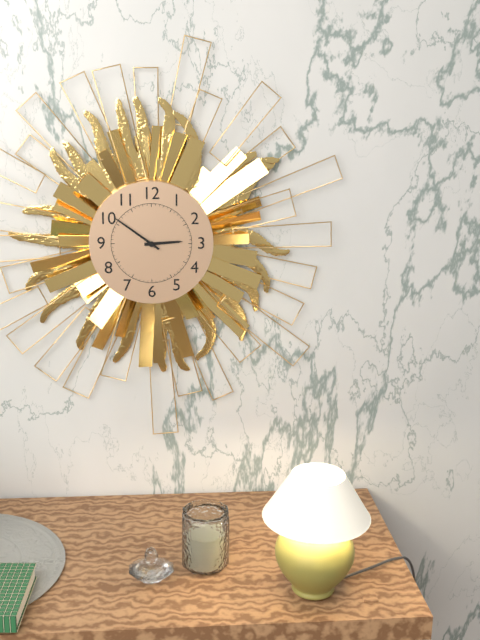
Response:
h=2 m=51
